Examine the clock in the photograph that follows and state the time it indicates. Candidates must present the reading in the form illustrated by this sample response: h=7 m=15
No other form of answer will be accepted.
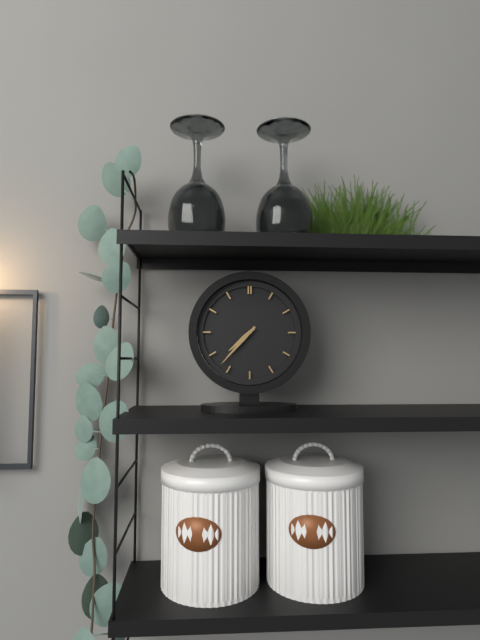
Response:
h=7 m=37
